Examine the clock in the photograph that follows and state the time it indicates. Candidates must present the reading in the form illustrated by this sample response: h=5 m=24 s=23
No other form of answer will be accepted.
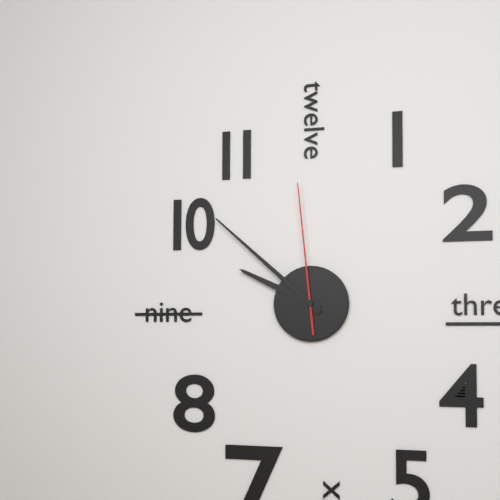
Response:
h=9 m=52 s=59
